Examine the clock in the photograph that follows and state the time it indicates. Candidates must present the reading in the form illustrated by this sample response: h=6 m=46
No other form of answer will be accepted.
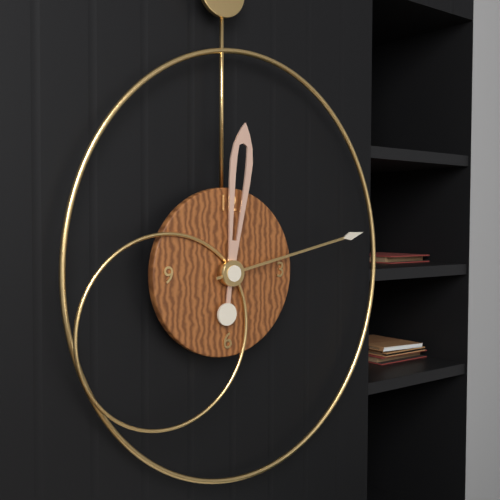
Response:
h=12 m=13
